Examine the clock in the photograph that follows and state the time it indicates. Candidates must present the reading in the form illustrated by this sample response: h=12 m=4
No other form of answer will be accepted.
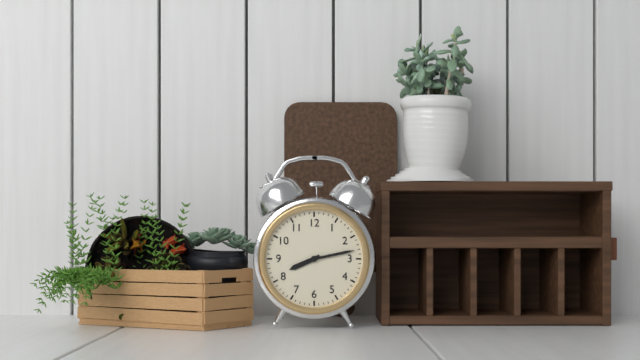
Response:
h=8 m=13
